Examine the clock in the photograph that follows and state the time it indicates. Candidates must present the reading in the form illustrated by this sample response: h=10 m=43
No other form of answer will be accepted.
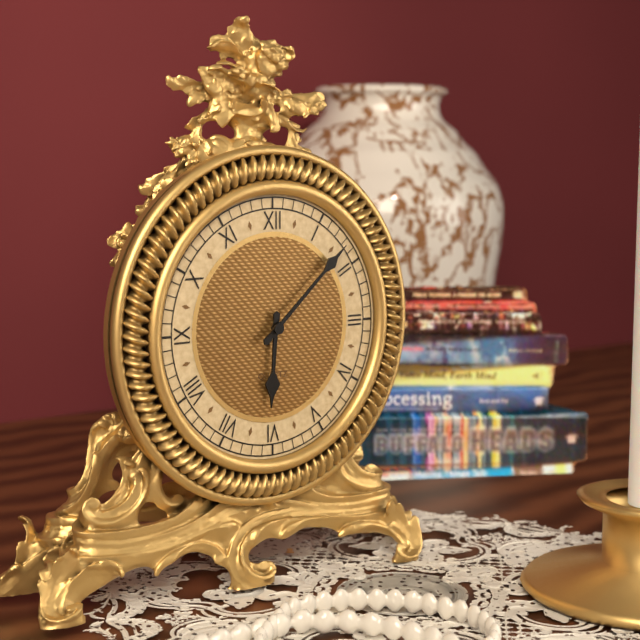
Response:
h=6 m=8
